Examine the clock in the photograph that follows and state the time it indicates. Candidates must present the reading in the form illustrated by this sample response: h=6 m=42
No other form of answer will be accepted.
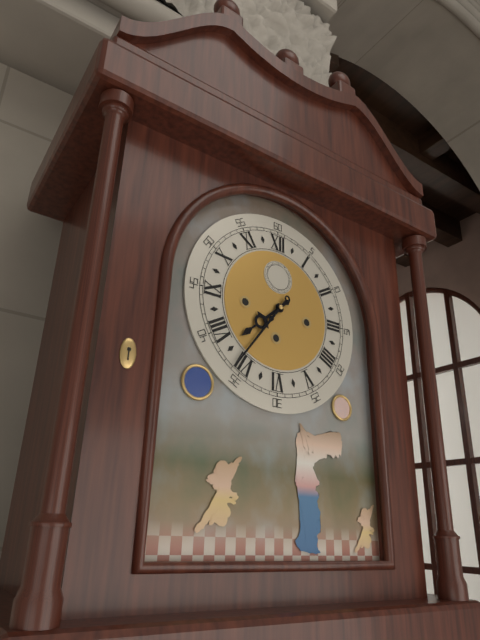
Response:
h=7 m=36
